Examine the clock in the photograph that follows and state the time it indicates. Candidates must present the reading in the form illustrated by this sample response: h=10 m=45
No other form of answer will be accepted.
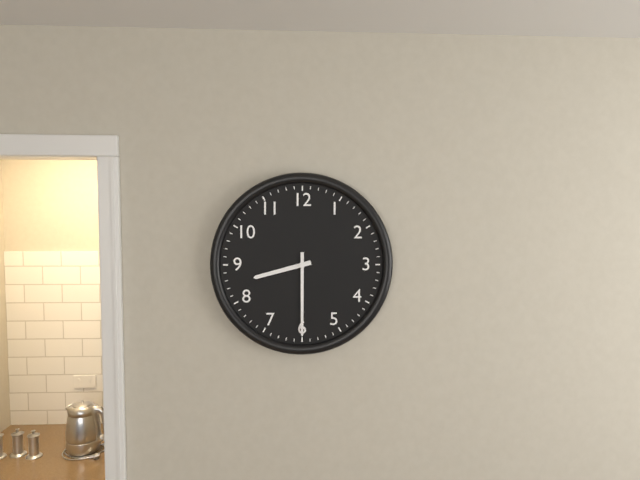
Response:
h=8 m=30
